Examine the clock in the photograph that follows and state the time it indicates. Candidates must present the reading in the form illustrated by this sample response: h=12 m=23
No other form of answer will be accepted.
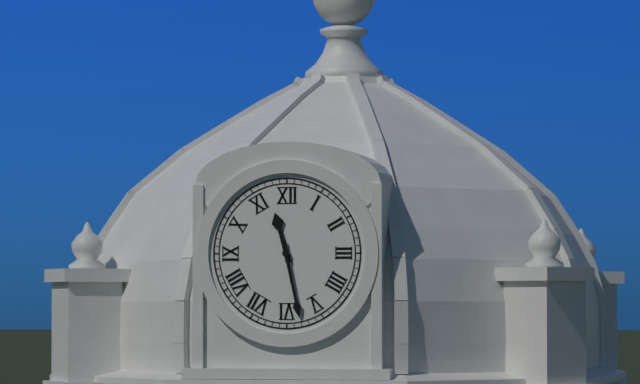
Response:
h=11 m=28
